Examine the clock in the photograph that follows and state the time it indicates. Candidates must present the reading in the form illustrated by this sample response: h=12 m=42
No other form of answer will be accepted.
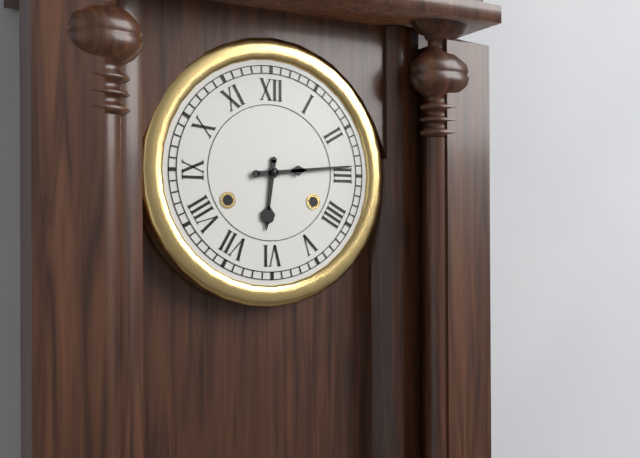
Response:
h=6 m=14
